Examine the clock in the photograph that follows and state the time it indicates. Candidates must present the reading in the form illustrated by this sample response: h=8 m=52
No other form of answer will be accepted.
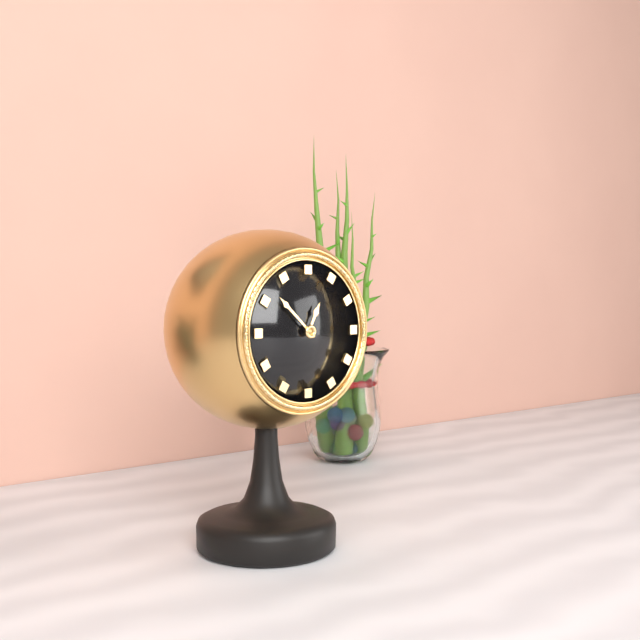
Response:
h=12 m=52
